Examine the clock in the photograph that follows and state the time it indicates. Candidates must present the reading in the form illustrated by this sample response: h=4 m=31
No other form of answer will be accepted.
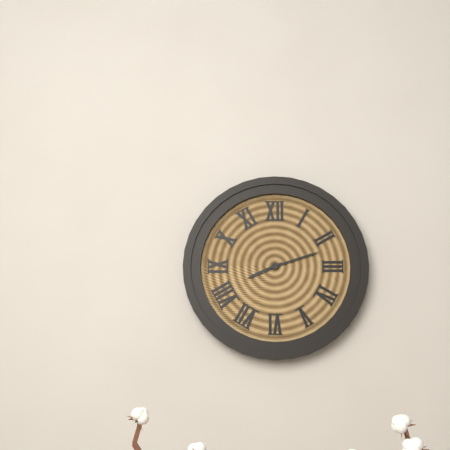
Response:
h=8 m=12
